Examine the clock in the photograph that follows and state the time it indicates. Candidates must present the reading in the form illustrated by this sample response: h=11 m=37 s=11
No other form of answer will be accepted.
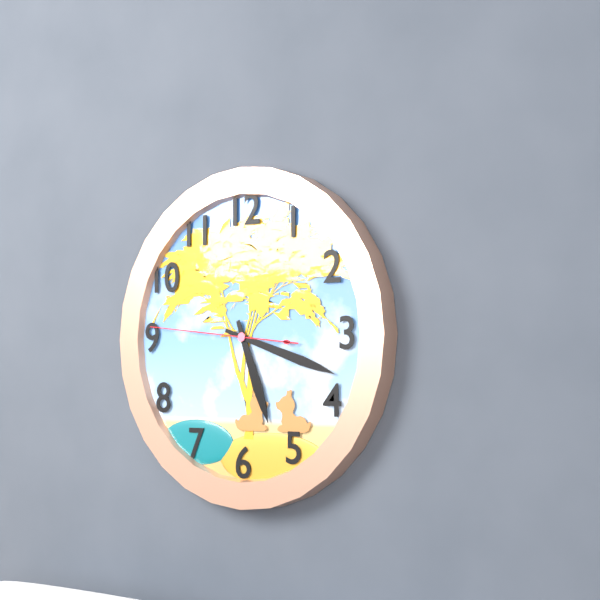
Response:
h=5 m=18 s=46
